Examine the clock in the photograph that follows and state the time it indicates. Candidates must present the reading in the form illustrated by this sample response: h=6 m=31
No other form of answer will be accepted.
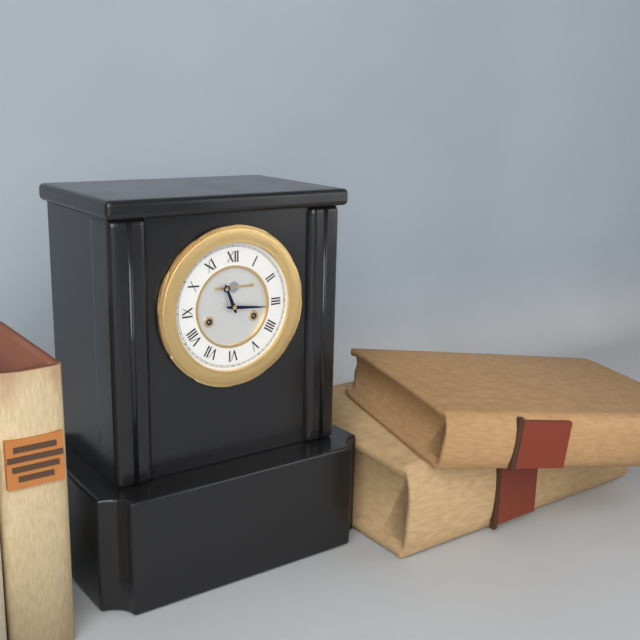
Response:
h=11 m=16
